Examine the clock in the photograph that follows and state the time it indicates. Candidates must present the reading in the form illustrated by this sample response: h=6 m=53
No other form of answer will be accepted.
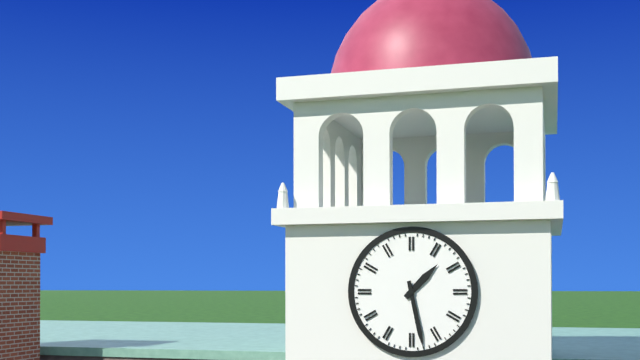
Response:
h=1 m=28
